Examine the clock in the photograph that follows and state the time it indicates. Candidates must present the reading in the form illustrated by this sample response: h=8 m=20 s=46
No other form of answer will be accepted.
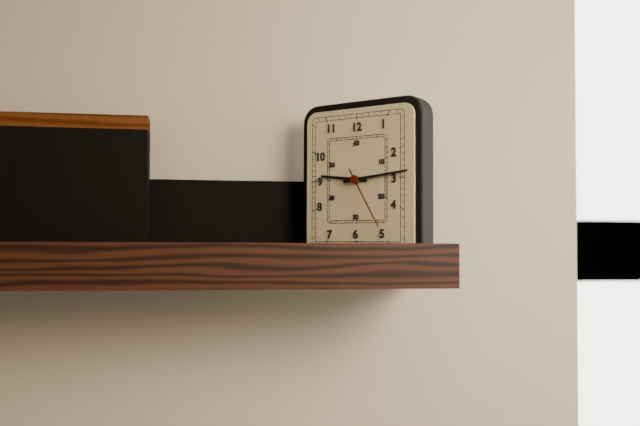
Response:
h=9 m=14 s=25
